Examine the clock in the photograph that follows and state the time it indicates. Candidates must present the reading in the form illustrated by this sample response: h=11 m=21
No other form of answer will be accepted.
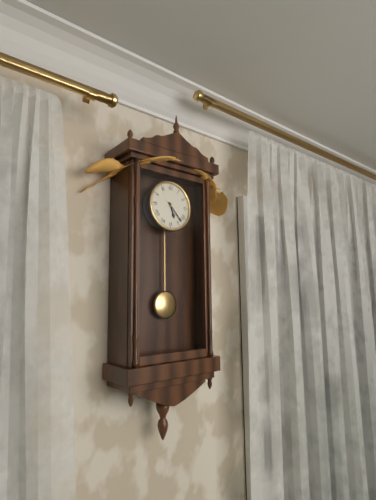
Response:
h=5 m=23
